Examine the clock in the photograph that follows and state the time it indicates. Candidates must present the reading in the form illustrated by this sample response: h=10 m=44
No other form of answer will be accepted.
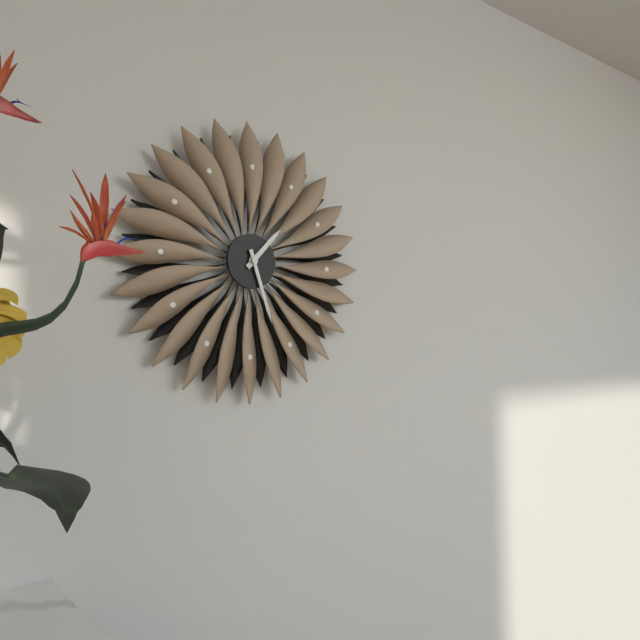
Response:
h=1 m=27
